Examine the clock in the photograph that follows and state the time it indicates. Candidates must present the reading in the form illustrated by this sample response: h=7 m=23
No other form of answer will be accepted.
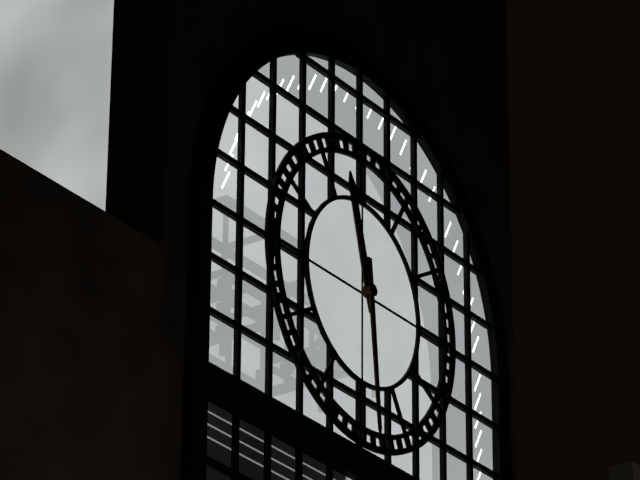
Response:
h=11 m=29
